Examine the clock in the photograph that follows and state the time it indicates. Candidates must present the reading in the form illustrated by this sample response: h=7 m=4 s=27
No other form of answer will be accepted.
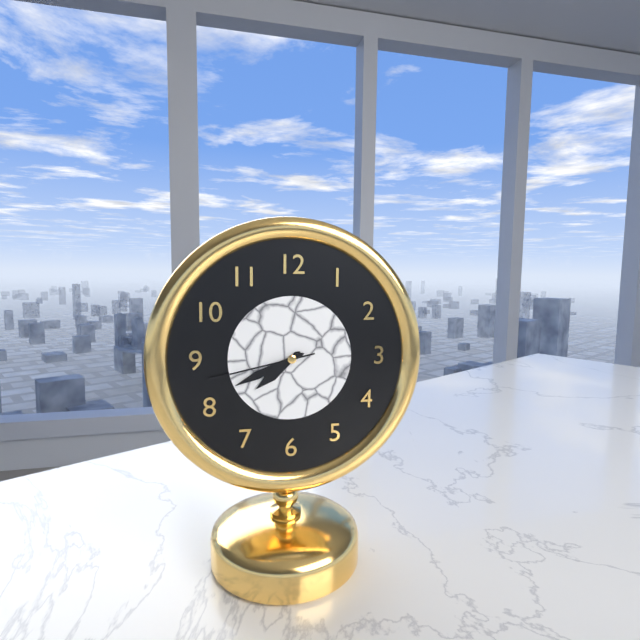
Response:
h=7 m=41 s=43
